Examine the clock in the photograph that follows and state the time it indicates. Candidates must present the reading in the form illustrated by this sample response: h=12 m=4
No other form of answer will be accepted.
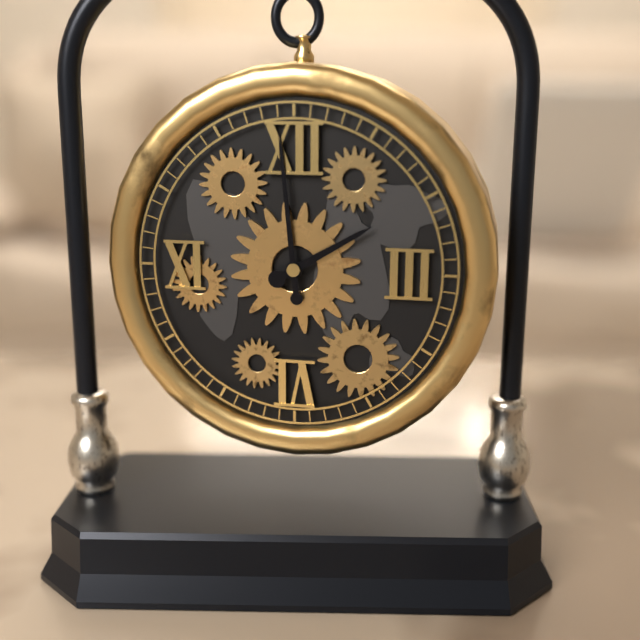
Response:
h=1 m=59
